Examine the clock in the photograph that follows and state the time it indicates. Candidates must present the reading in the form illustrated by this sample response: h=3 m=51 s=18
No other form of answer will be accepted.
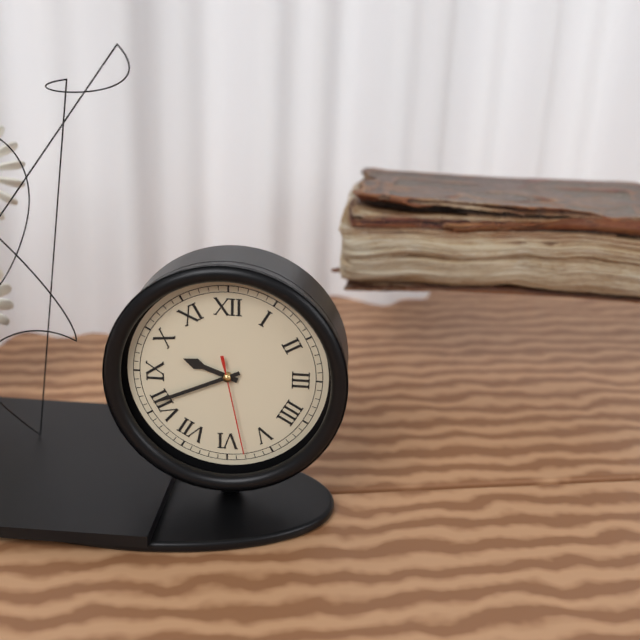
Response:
h=9 m=41 s=28
